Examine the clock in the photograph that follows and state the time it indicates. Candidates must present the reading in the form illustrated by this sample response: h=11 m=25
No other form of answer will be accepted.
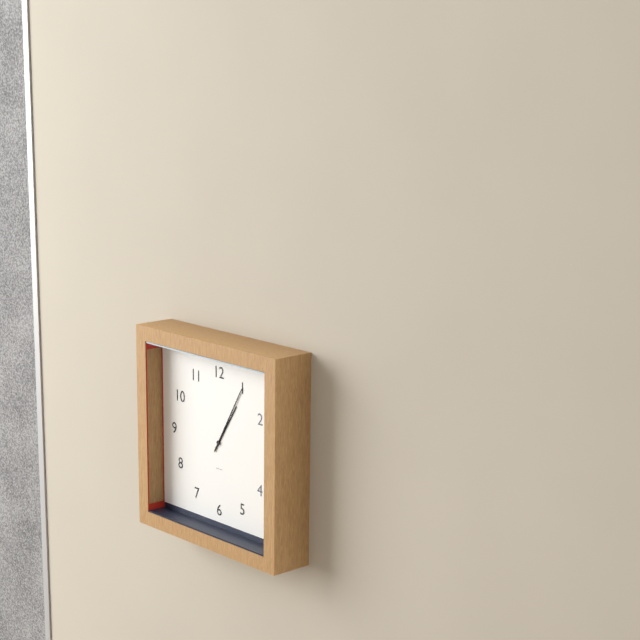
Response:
h=1 m=5
